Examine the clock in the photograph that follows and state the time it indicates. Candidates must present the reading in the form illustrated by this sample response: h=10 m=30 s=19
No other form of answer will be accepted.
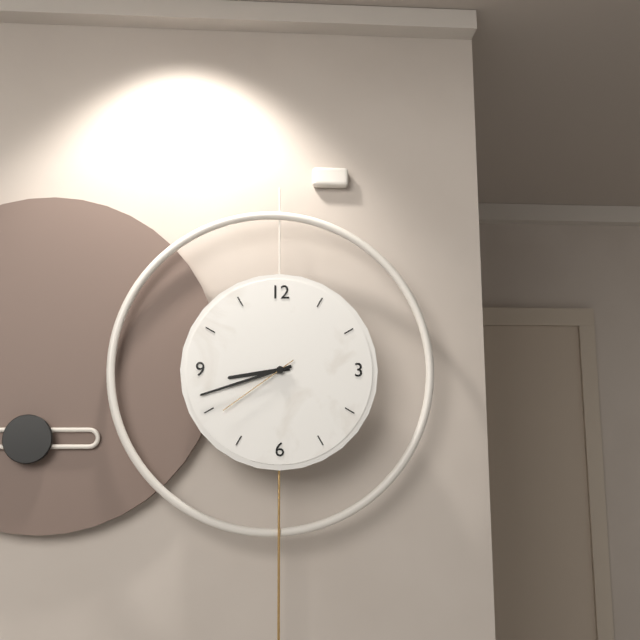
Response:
h=8 m=42 s=39
